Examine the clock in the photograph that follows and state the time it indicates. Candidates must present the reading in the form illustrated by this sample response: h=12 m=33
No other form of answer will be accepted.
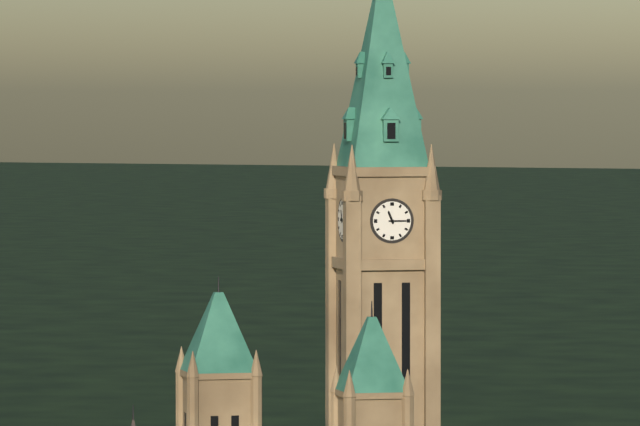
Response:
h=11 m=15
